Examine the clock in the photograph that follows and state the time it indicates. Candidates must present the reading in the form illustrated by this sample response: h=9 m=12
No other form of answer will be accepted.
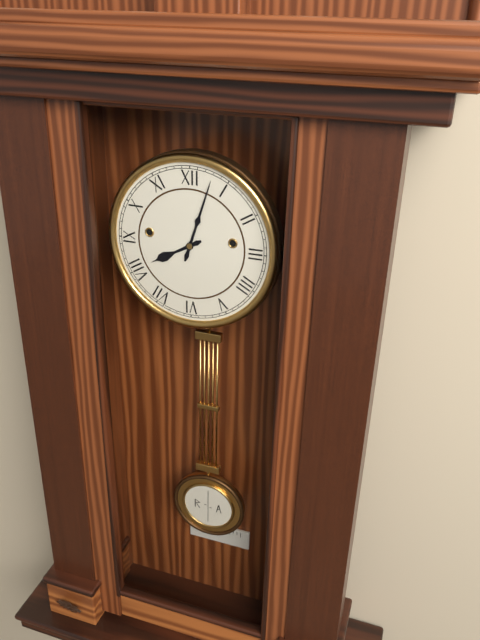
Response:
h=8 m=3
